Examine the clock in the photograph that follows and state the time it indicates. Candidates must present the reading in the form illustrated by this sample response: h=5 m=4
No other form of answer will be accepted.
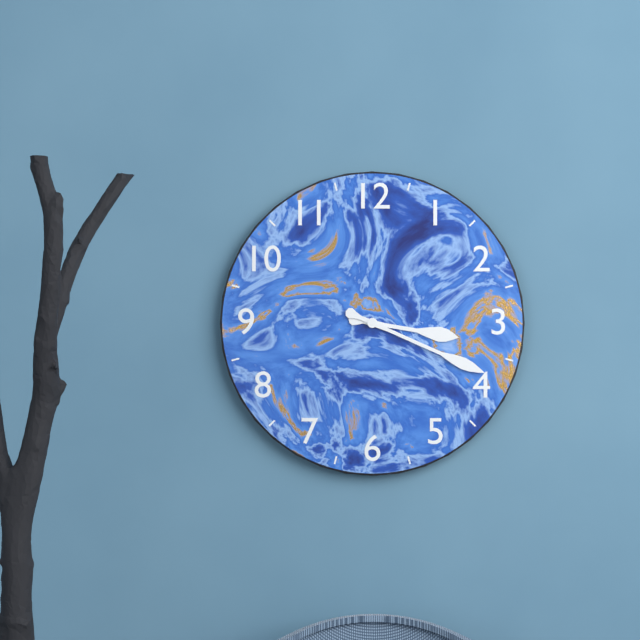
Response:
h=3 m=19
